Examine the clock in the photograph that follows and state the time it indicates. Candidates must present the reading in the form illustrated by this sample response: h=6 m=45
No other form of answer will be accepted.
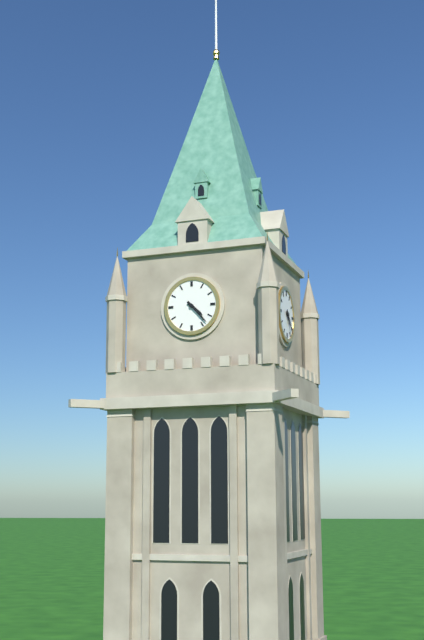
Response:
h=4 m=23
